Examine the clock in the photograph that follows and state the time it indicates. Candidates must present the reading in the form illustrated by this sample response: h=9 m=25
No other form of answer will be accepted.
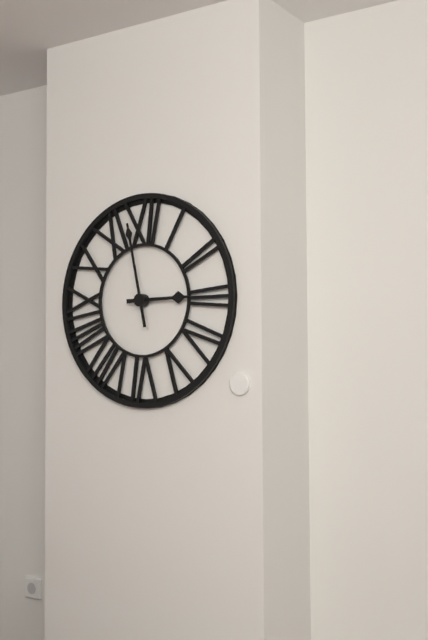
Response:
h=2 m=58
